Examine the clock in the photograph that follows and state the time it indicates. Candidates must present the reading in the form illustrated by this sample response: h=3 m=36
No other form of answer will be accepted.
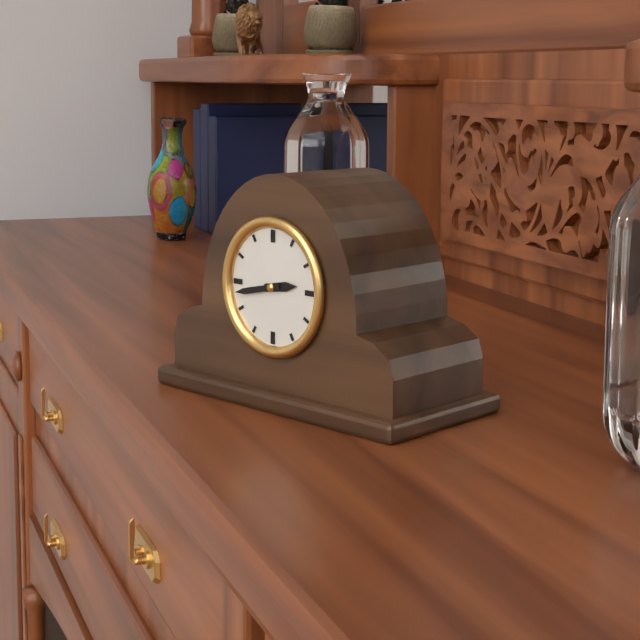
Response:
h=2 m=43
